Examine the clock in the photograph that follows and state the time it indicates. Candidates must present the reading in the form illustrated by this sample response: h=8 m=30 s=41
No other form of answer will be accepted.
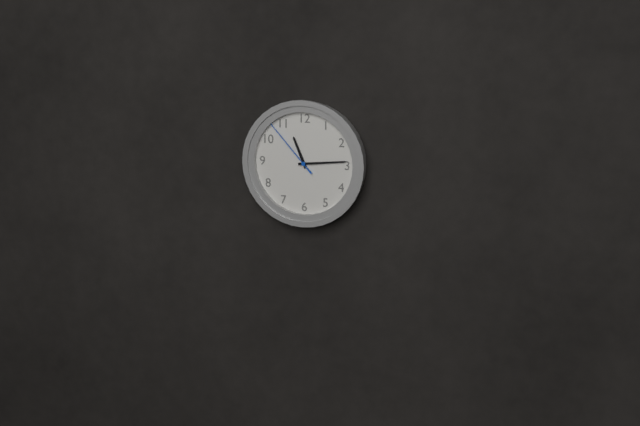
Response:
h=11 m=14 s=53
